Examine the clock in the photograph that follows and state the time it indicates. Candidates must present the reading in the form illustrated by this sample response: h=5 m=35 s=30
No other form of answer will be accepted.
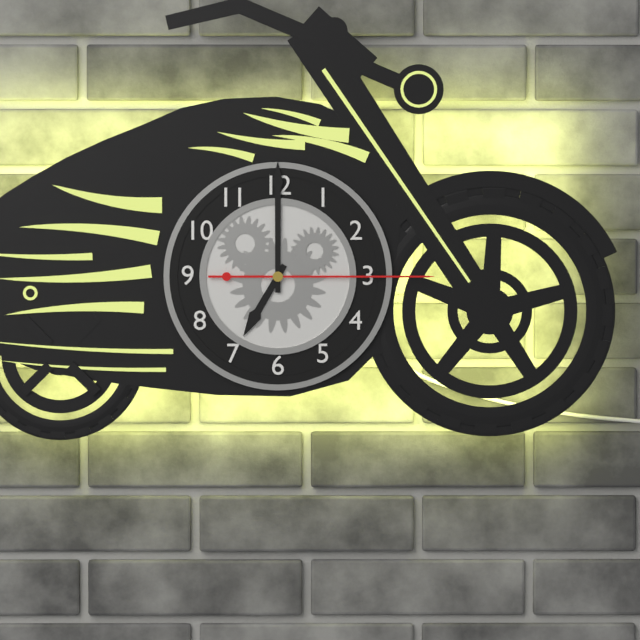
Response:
h=7 m=0 s=15
